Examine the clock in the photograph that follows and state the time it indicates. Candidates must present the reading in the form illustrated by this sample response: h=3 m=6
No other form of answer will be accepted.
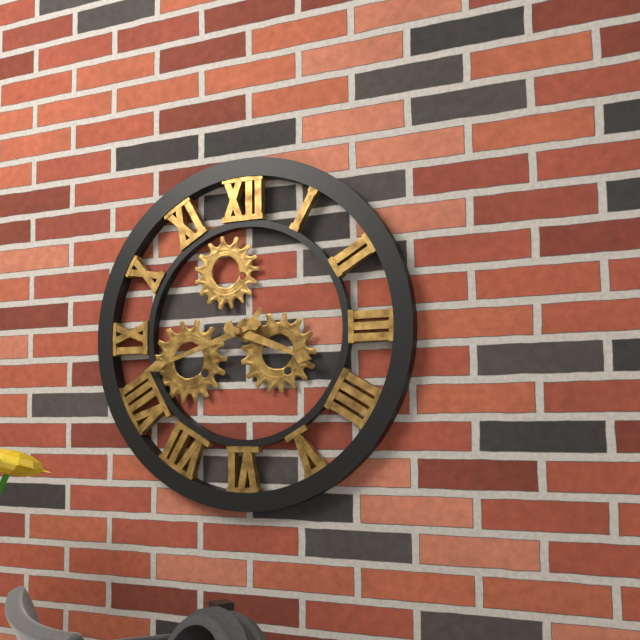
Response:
h=3 m=42
